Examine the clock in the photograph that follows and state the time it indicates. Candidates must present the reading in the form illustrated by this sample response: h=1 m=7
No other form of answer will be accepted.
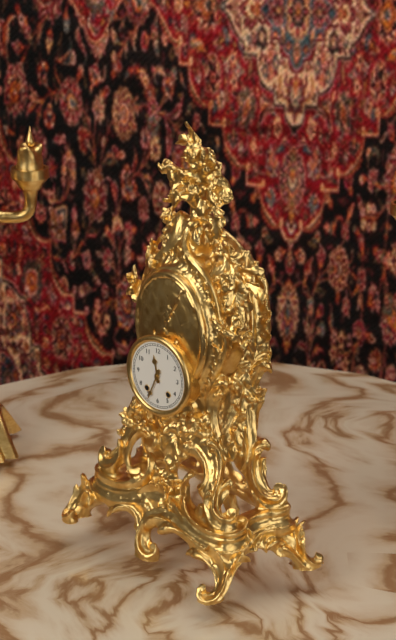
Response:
h=11 m=34
